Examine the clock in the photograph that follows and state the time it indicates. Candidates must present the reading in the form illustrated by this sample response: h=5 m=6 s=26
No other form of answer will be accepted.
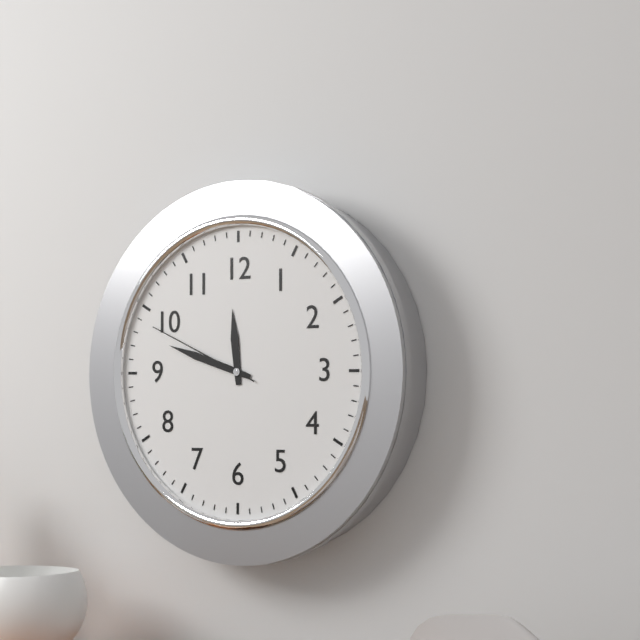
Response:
h=11 m=48 s=49
